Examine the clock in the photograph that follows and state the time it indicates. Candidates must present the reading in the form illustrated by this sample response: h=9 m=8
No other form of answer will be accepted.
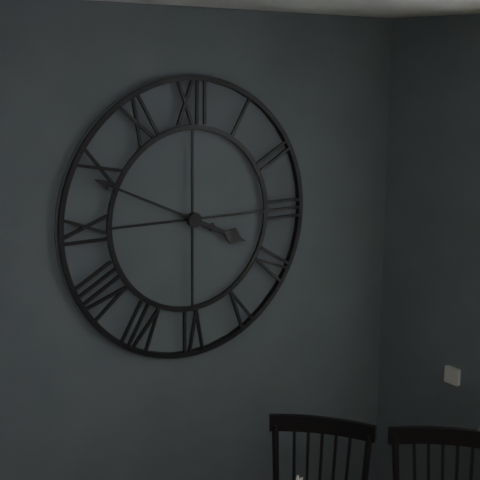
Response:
h=3 m=49
